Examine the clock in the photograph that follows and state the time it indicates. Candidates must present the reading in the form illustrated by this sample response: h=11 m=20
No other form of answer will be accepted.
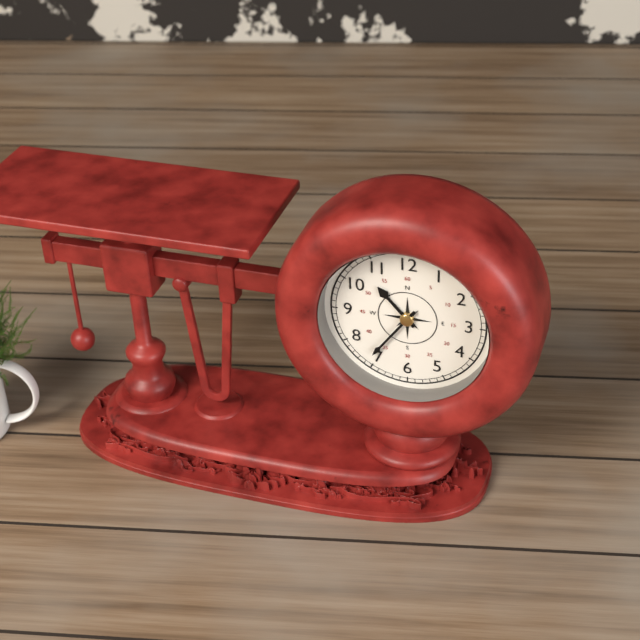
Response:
h=10 m=36
